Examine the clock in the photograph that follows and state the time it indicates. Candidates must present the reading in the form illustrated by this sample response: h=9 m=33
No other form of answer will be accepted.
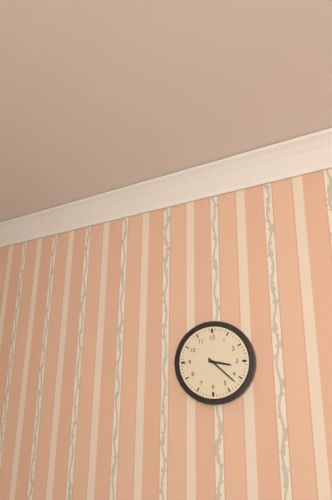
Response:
h=3 m=22
